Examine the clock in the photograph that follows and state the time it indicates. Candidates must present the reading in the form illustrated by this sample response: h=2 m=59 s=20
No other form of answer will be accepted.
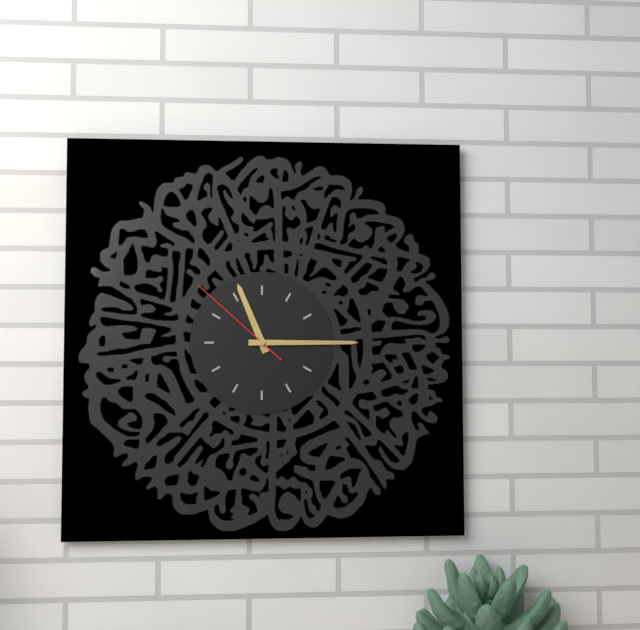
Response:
h=11 m=15 s=52
